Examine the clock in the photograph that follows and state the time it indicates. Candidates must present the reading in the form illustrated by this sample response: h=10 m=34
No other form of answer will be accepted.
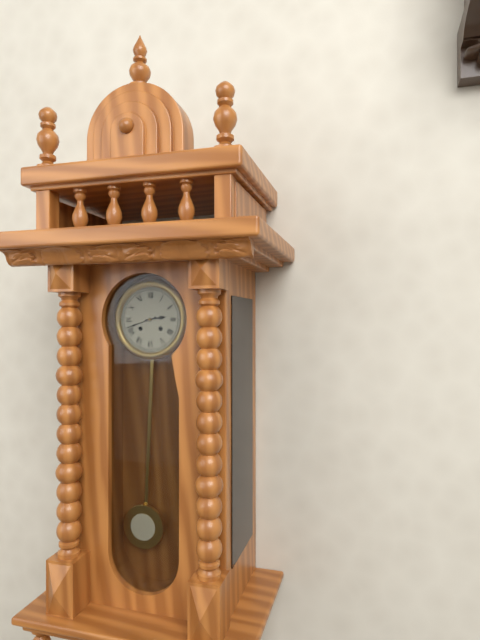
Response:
h=2 m=42
